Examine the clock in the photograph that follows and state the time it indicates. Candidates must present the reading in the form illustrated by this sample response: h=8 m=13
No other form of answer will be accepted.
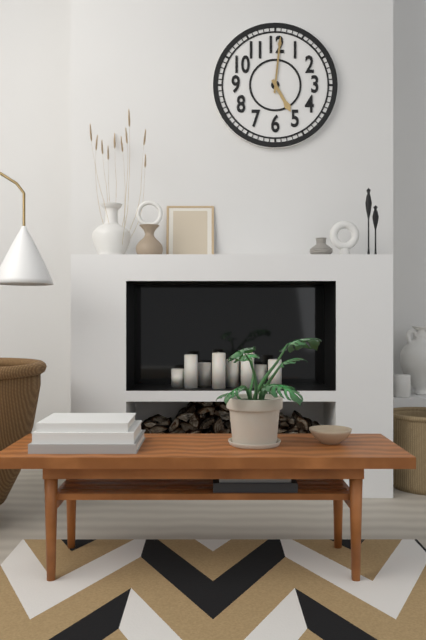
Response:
h=5 m=1
